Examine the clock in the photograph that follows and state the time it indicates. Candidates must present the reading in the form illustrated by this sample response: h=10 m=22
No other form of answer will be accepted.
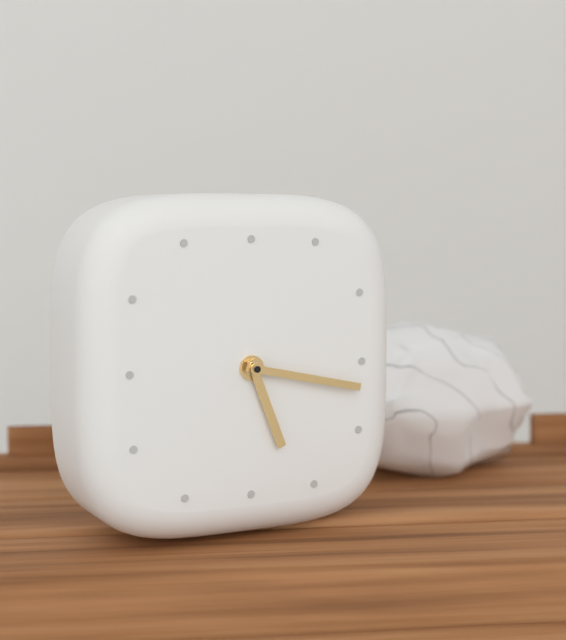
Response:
h=5 m=17
